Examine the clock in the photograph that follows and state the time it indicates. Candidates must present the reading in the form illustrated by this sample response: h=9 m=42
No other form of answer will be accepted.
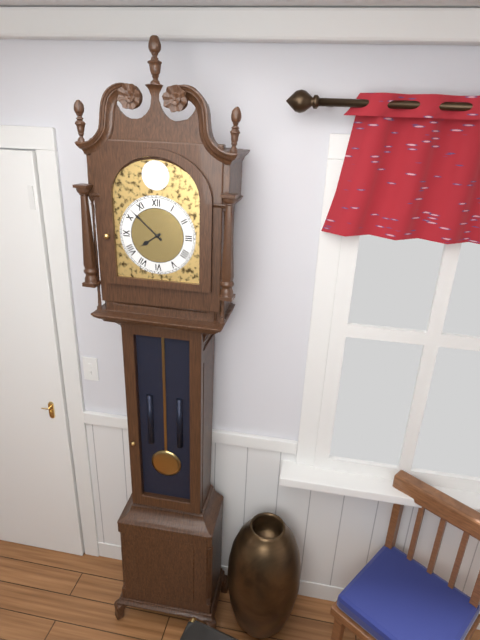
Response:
h=7 m=52
